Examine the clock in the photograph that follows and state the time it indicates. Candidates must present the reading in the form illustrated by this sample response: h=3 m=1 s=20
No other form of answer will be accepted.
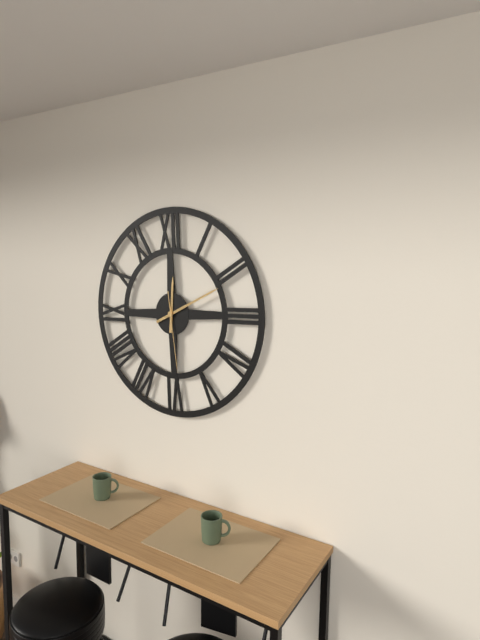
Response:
h=12 m=11 s=29
